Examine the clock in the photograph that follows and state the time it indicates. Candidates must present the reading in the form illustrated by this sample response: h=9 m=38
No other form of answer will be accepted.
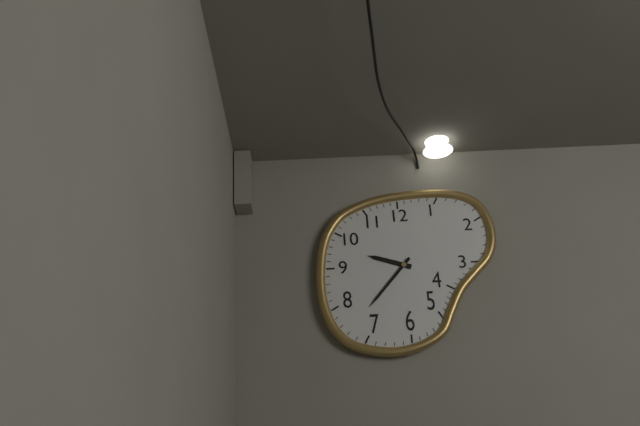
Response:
h=9 m=37
